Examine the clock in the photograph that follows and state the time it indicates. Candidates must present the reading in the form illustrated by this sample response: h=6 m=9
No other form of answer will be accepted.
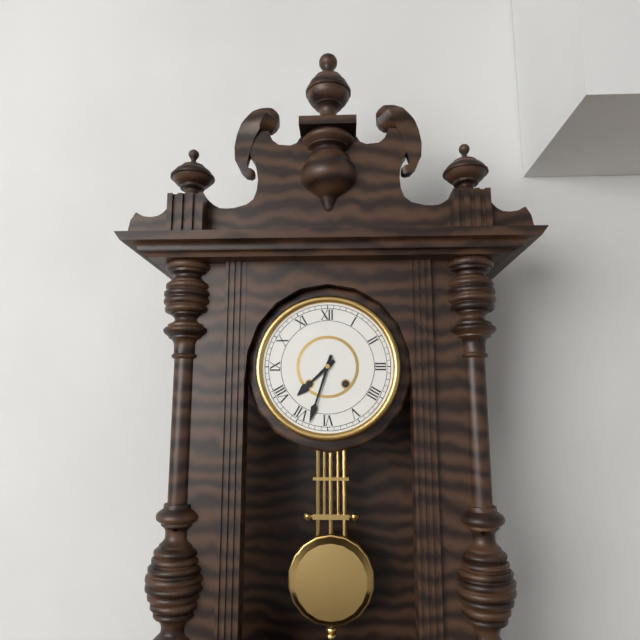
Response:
h=7 m=33
